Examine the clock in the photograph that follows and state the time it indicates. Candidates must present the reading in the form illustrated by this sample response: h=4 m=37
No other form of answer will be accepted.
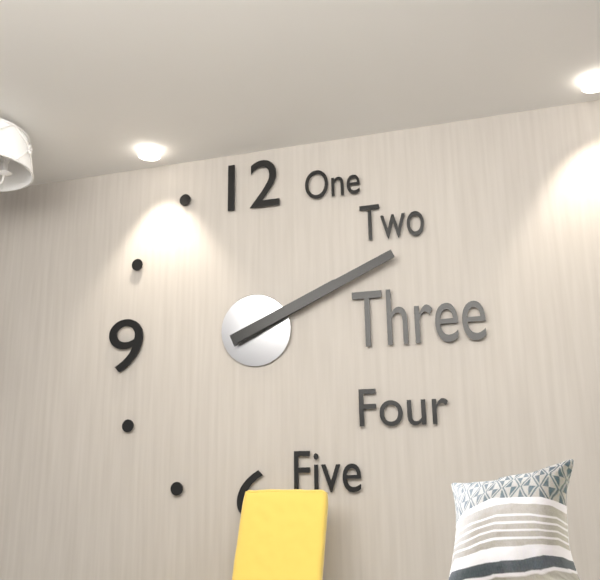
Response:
h=2 m=11
